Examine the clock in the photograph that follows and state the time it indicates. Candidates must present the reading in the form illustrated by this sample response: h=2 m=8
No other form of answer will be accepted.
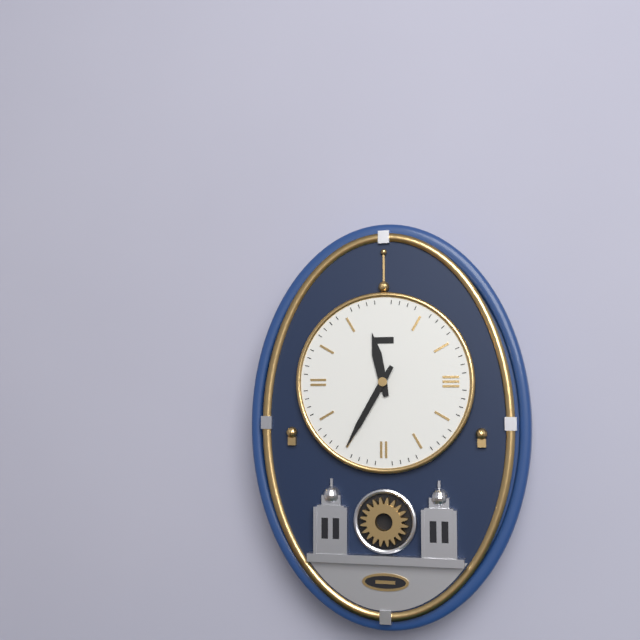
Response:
h=11 m=35
